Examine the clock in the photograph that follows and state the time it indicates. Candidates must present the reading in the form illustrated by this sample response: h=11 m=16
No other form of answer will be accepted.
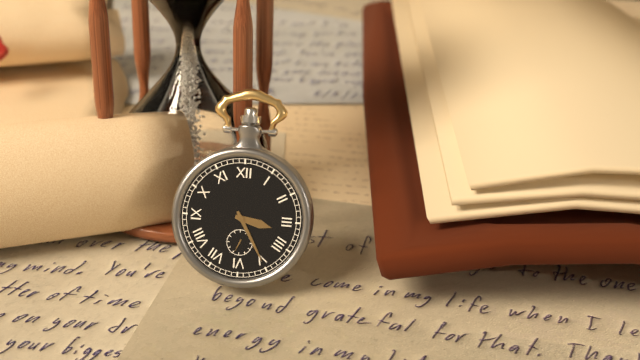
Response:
h=3 m=25
